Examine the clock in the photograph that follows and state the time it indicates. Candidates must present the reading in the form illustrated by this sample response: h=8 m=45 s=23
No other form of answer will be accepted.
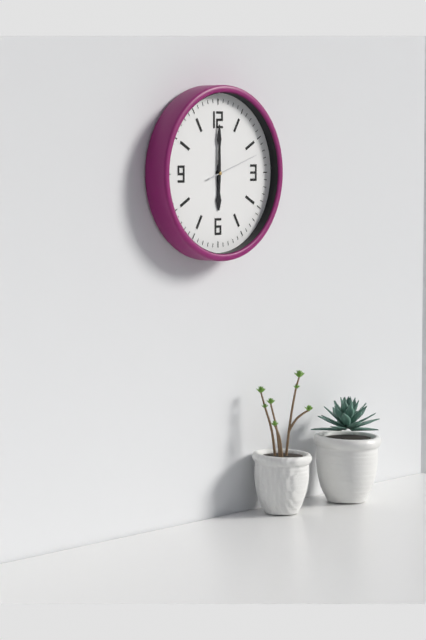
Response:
h=6 m=0 s=12
